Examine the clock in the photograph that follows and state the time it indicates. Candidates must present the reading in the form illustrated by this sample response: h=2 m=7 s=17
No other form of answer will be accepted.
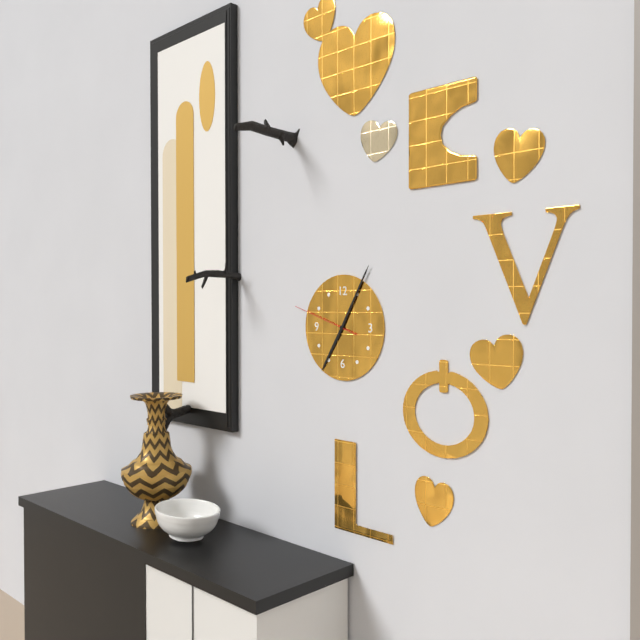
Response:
h=7 m=5 s=48
